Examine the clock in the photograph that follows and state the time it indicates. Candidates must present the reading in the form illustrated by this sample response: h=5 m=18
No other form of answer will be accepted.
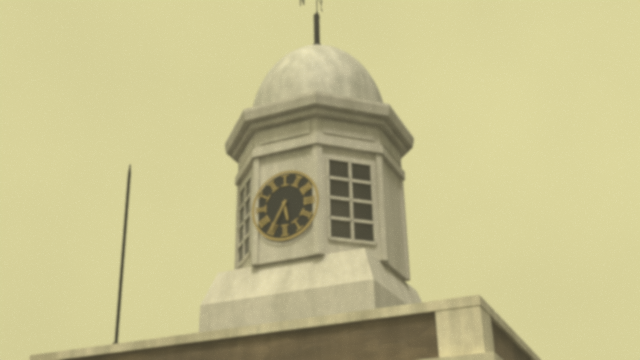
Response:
h=5 m=35
